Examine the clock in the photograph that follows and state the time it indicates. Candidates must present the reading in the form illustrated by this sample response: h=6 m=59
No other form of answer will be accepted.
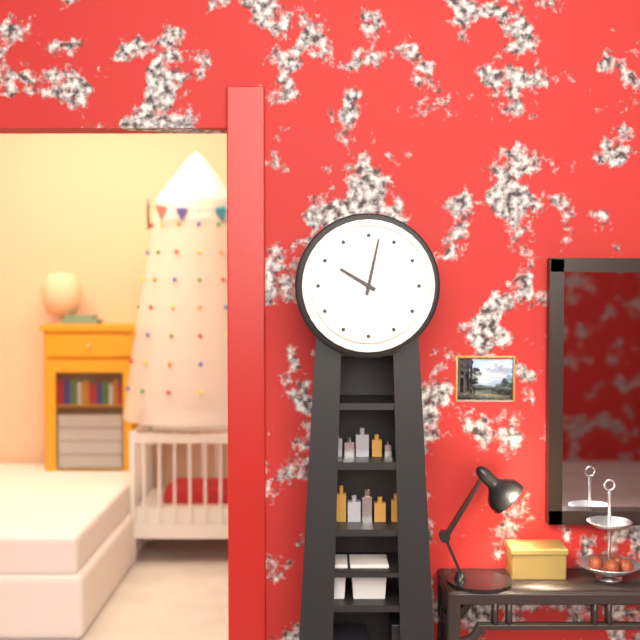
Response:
h=10 m=2
